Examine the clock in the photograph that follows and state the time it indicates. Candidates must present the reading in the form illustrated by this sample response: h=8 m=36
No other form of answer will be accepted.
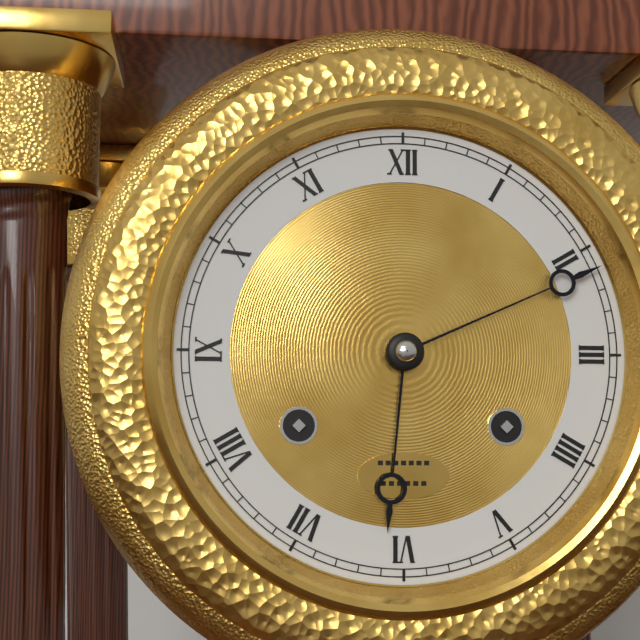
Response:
h=6 m=11
